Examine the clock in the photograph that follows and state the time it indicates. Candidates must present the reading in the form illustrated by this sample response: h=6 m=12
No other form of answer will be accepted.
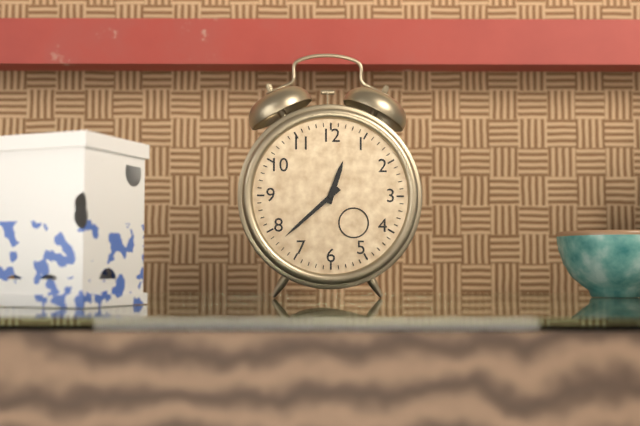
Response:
h=12 m=38
